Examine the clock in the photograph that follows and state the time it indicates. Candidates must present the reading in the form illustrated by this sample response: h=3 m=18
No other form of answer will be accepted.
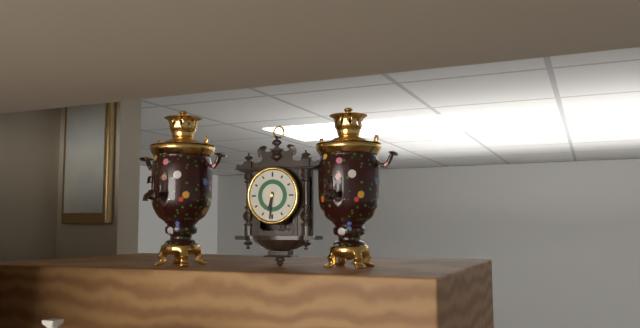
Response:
h=6 m=31
